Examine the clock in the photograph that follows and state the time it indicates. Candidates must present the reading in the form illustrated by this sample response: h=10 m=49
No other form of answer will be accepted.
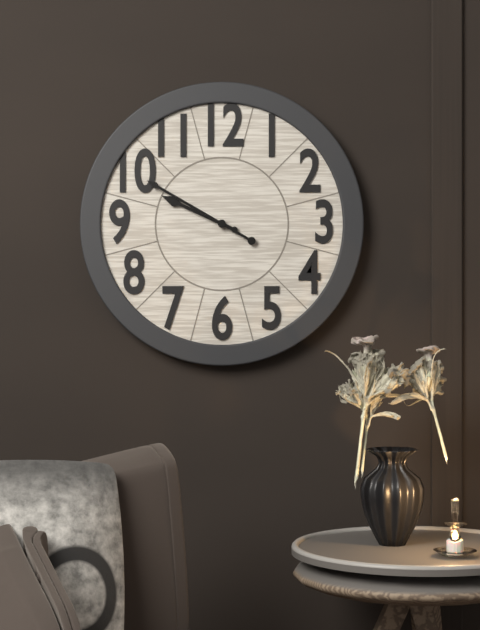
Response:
h=9 m=50
